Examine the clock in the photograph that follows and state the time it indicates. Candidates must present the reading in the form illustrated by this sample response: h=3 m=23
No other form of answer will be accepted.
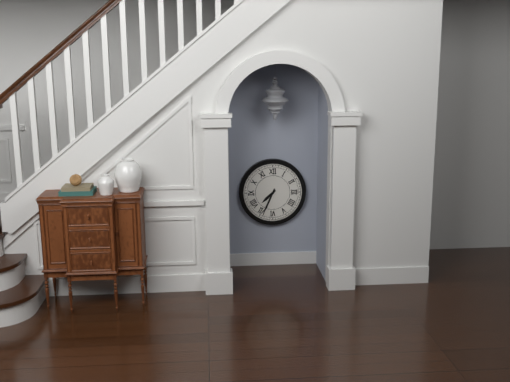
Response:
h=7 m=34
